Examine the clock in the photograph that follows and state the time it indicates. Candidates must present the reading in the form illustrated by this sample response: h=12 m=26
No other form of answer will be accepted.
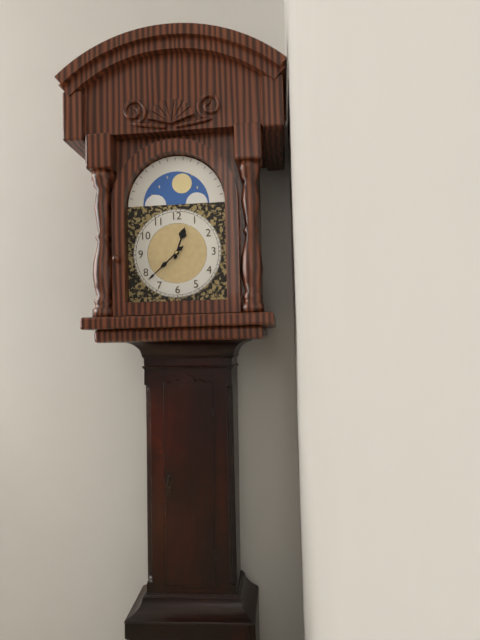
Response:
h=12 m=38
